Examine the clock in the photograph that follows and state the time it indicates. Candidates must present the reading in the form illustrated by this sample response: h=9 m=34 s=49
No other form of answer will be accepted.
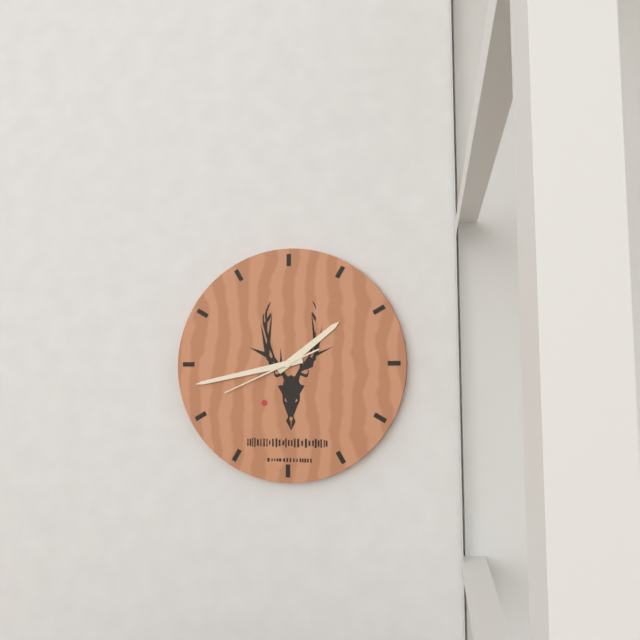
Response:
h=1 m=43 s=41
